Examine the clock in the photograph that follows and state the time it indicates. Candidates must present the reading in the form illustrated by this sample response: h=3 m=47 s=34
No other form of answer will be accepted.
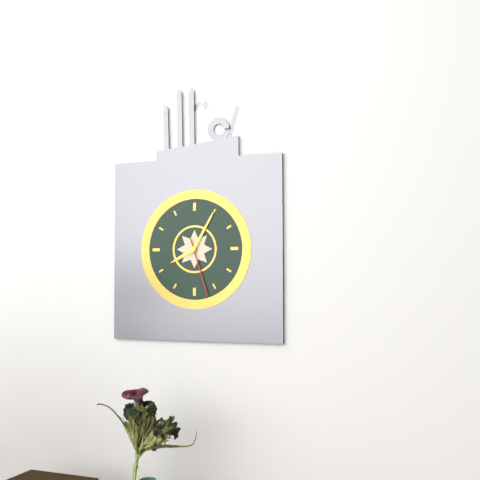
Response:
h=8 m=5 s=27
